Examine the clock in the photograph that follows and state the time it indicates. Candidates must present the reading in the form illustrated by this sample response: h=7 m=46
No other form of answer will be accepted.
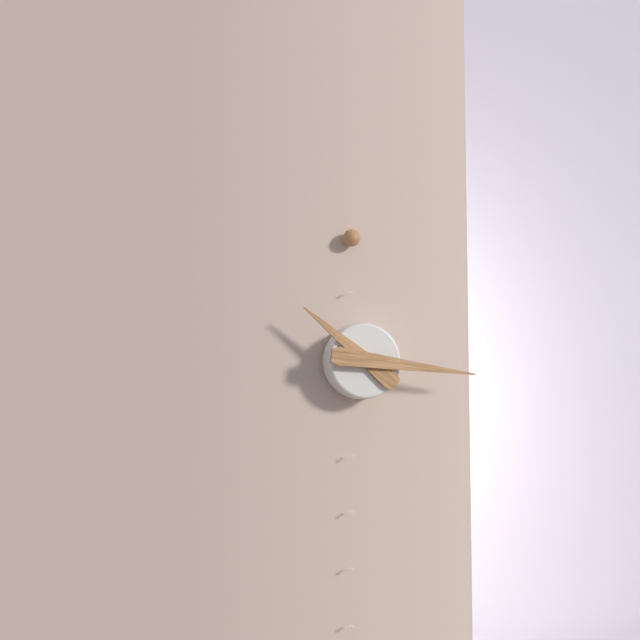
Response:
h=10 m=16
